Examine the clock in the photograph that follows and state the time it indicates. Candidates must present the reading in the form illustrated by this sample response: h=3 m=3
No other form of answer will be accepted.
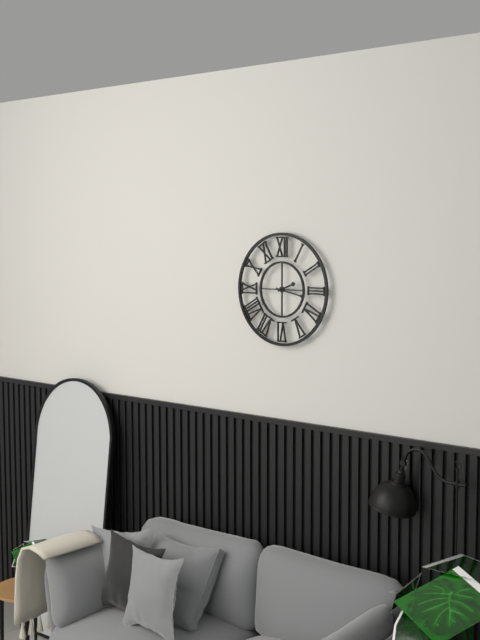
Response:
h=2 m=17
